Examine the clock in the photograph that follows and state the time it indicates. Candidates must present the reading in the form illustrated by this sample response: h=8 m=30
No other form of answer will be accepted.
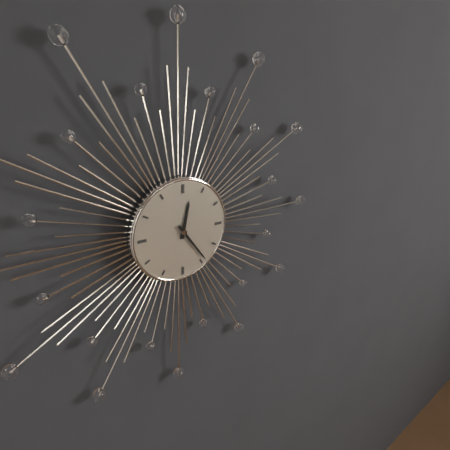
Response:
h=12 m=24
